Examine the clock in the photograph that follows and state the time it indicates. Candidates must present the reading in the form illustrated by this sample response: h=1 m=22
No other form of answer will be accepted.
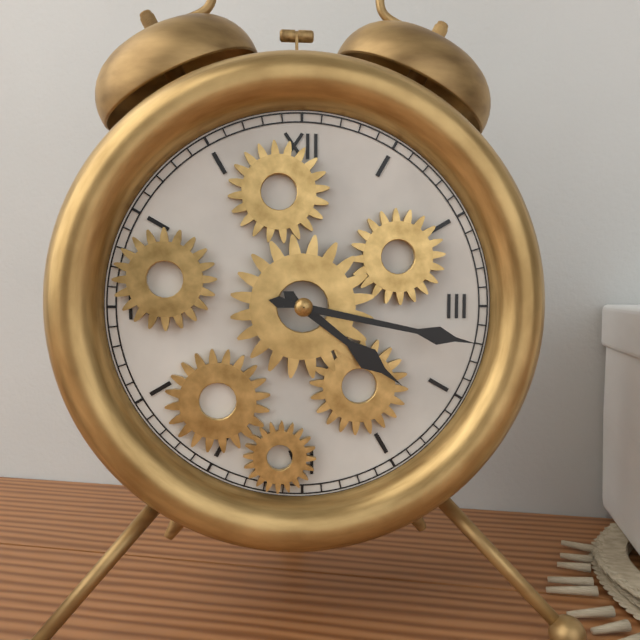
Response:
h=4 m=17
